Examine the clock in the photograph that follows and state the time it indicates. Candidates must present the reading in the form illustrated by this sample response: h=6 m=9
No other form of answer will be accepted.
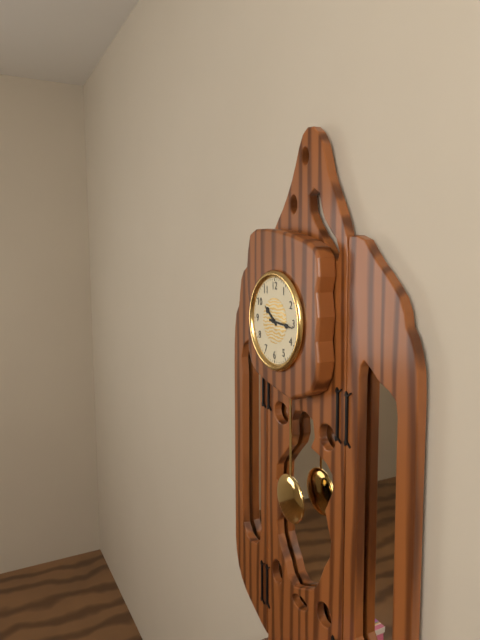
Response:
h=10 m=16
